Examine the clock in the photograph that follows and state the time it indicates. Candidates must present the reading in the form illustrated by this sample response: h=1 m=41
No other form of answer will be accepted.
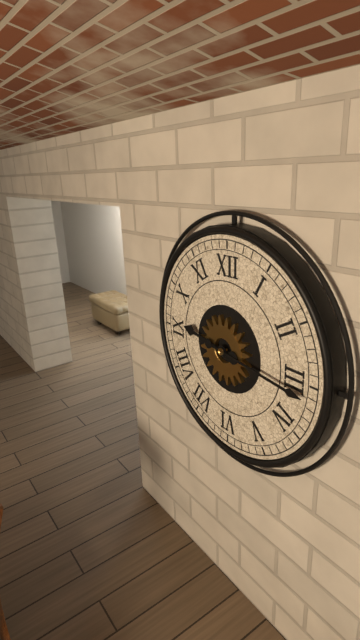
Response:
h=9 m=16
